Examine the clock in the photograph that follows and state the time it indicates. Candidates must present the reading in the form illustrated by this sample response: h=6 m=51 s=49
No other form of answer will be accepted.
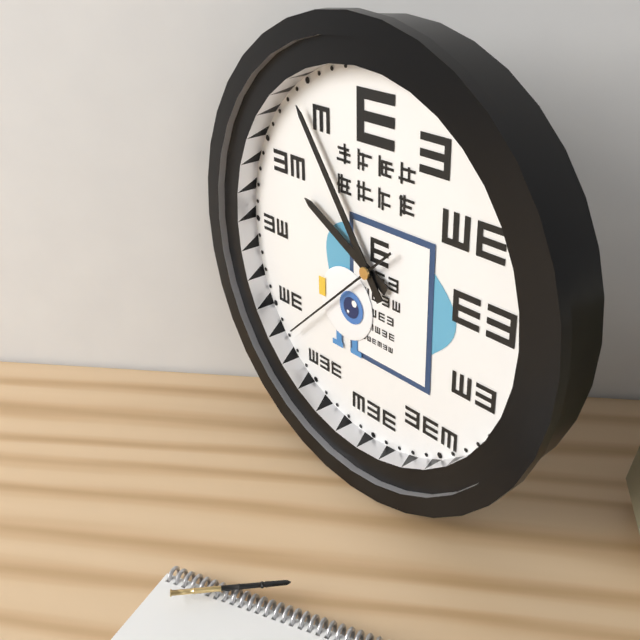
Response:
h=9 m=54 s=38
